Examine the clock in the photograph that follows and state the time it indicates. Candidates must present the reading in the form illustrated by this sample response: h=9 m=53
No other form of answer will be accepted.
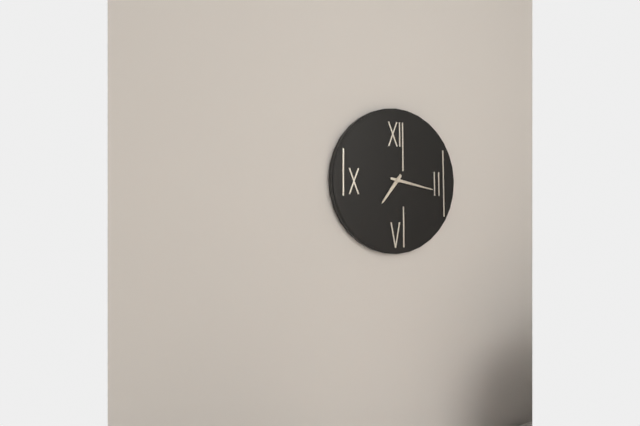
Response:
h=7 m=17
